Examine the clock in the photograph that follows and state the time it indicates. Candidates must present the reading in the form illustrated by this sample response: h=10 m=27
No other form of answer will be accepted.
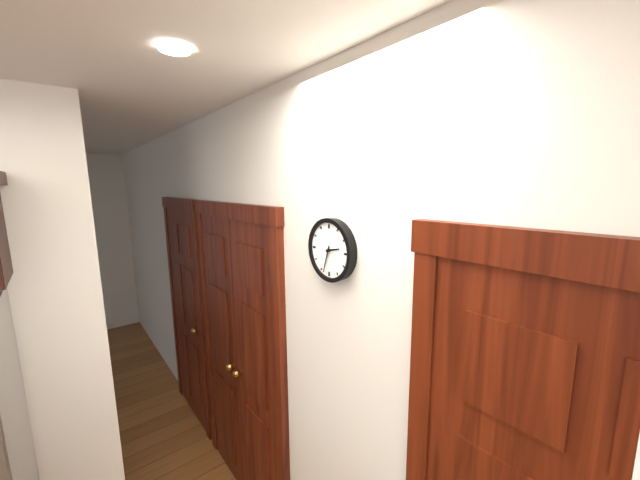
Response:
h=2 m=33
